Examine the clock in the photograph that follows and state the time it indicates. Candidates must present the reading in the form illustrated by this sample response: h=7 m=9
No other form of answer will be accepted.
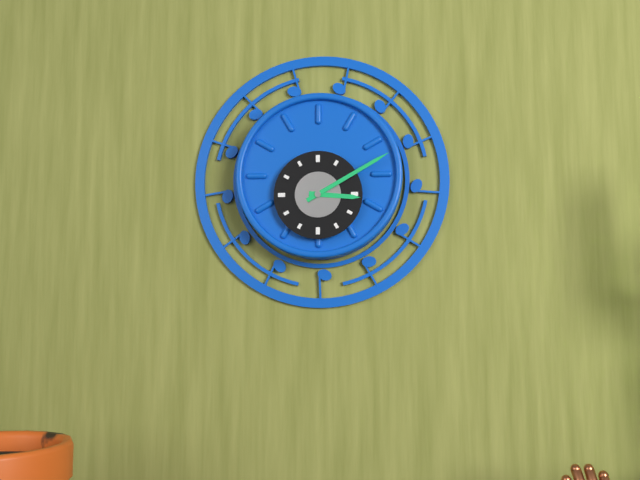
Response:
h=3 m=10
